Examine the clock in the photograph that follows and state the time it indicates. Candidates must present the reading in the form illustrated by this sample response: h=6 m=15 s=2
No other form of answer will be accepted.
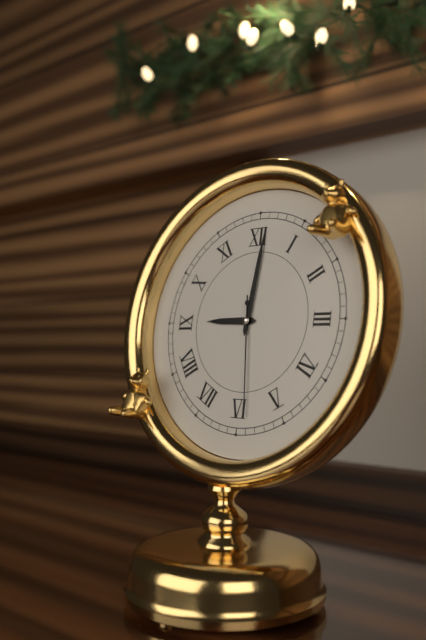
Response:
h=9 m=1 s=29
